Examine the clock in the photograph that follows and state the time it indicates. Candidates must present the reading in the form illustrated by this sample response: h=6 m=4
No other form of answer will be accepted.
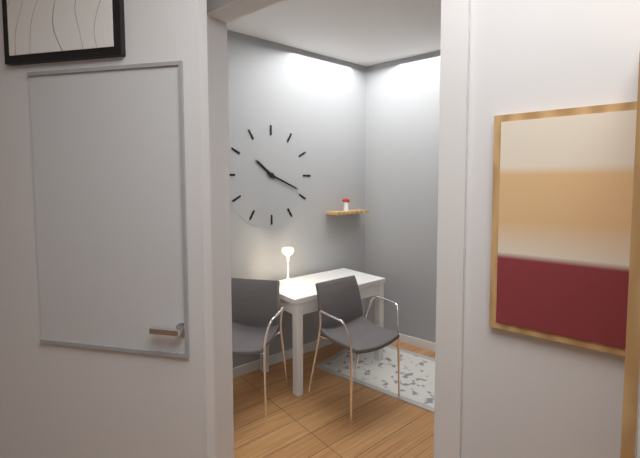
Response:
h=10 m=19
